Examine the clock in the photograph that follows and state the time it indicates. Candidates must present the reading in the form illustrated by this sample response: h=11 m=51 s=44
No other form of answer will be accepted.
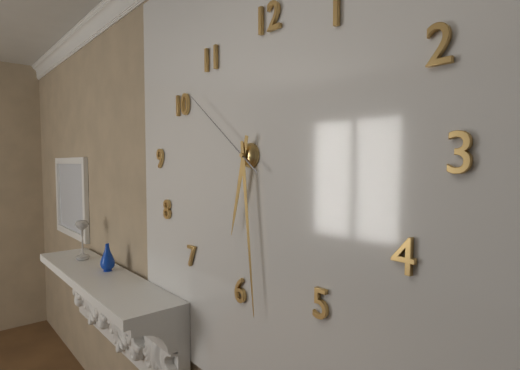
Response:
h=6 m=29 s=51
